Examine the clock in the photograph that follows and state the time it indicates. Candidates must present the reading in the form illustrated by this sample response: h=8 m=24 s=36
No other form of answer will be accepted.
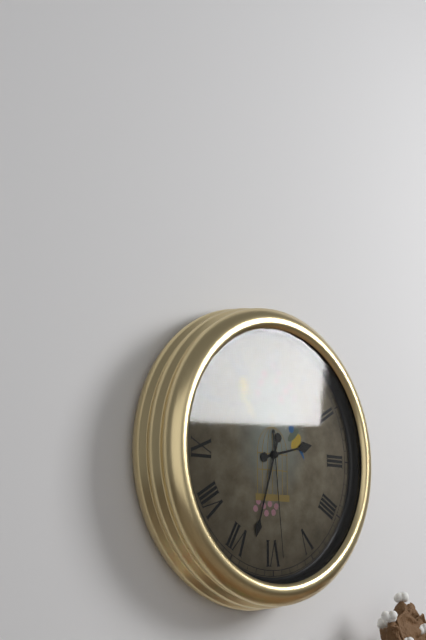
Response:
h=2 m=33 s=29
